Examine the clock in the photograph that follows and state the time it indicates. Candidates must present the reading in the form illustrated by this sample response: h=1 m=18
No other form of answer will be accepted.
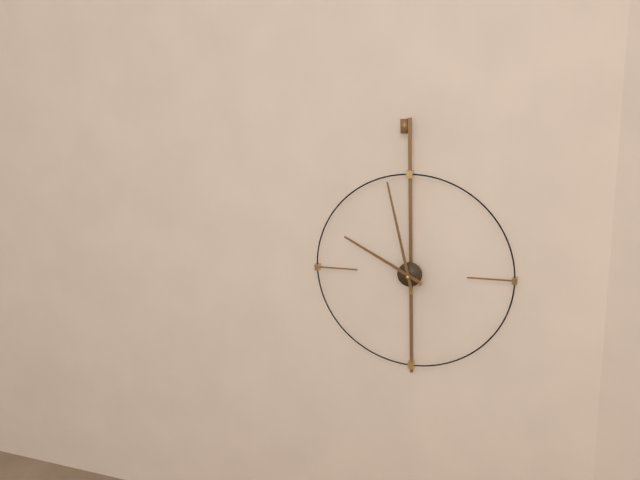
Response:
h=9 m=58
